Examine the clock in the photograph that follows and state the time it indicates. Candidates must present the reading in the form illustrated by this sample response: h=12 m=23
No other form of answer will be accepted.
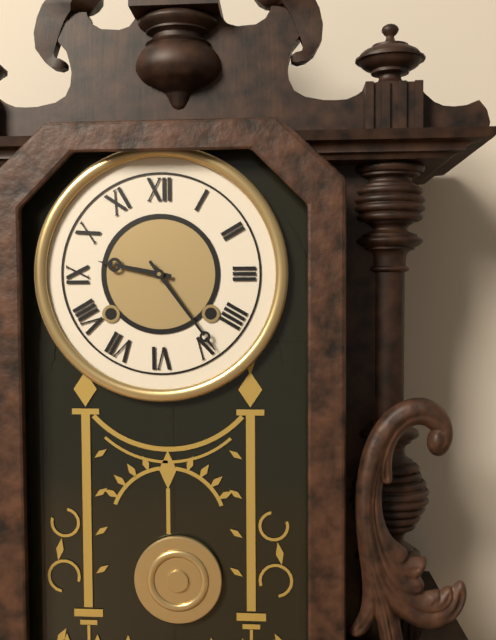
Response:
h=9 m=24
